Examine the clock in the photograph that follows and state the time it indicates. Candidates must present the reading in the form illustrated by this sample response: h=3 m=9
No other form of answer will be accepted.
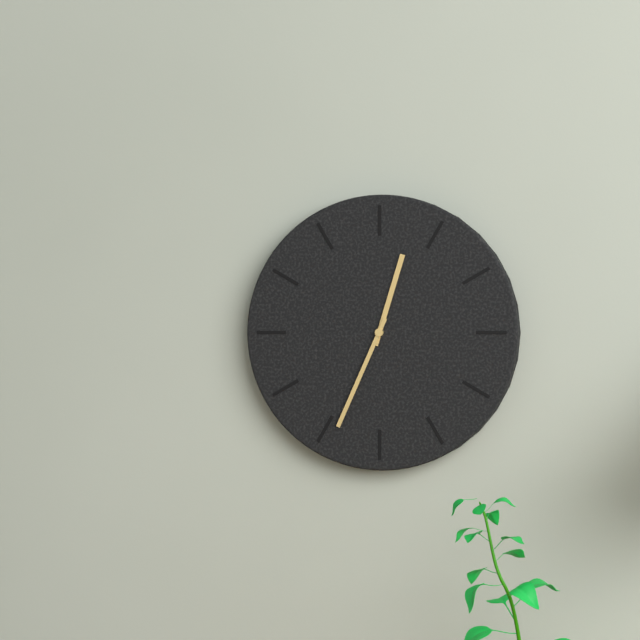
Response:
h=12 m=34
